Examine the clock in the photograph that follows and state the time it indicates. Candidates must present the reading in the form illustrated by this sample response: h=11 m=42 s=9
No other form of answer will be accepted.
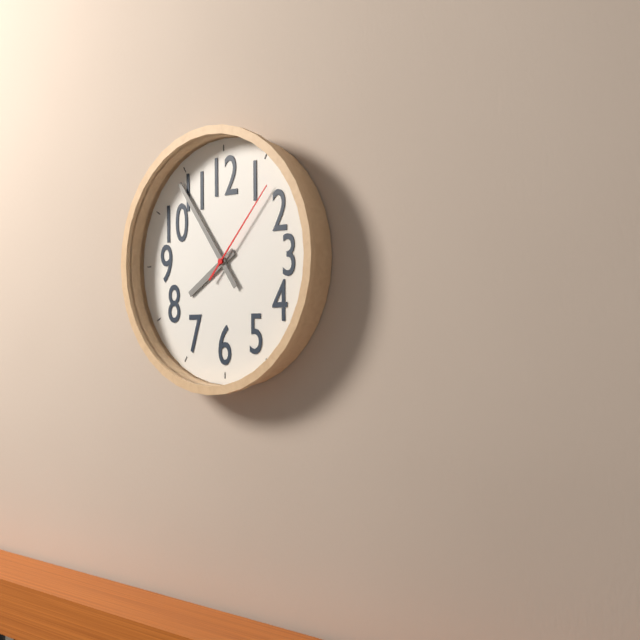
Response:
h=7 m=54 s=7
